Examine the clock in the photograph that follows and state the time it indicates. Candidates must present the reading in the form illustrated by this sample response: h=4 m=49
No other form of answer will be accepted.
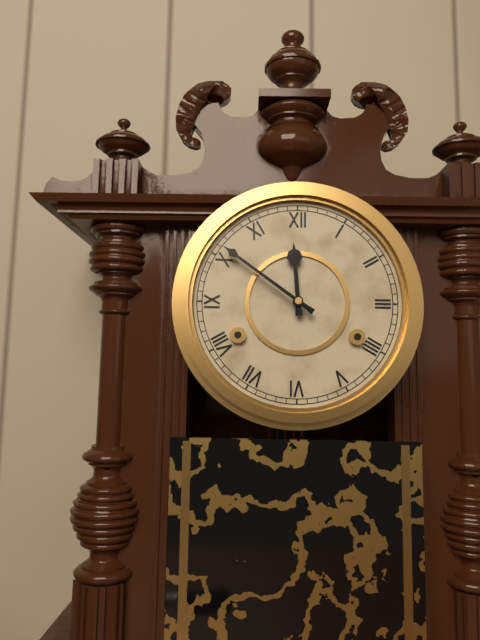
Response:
h=11 m=51
